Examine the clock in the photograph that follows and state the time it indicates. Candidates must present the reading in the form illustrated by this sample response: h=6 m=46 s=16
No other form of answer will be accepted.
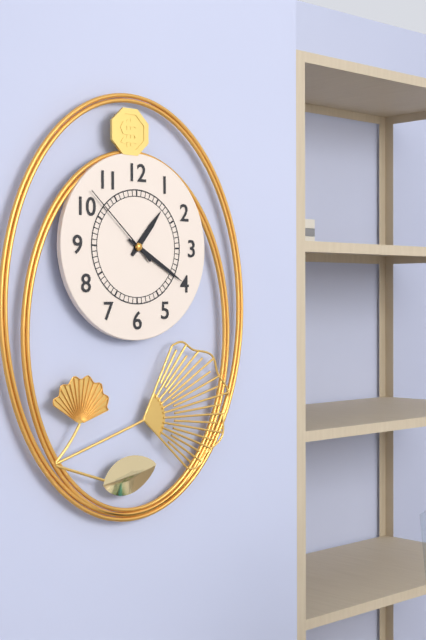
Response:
h=1 m=20 s=52
